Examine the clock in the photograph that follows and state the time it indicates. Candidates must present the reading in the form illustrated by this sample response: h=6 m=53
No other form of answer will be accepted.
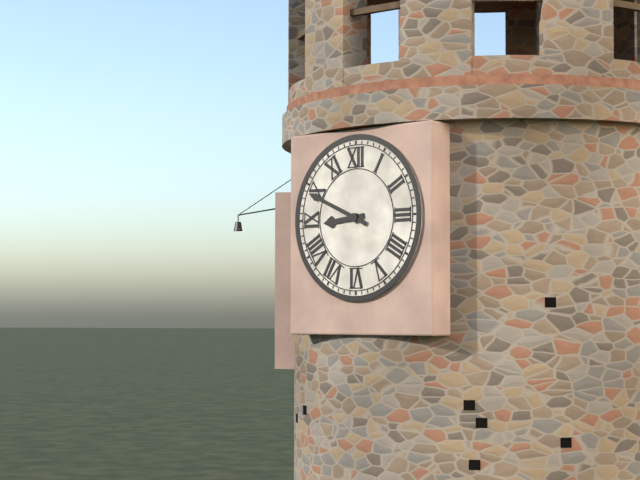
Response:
h=8 m=49
